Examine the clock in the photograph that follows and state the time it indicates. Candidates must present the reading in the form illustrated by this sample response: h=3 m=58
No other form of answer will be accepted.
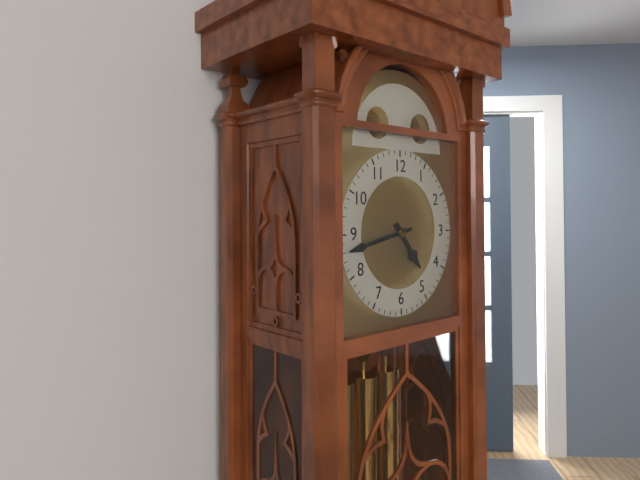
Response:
h=4 m=43
